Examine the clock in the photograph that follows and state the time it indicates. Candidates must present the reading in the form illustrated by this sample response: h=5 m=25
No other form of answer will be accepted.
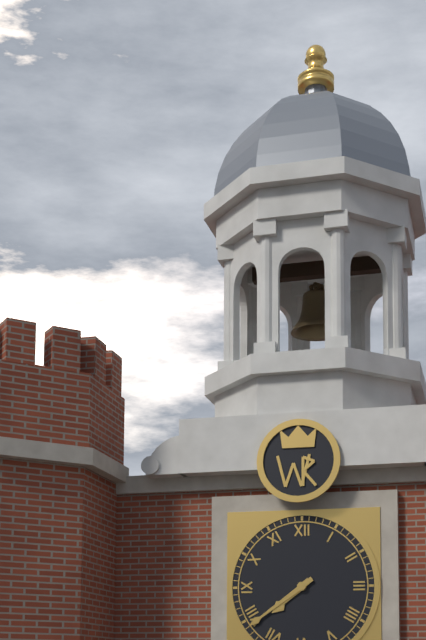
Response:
h=7 m=39
